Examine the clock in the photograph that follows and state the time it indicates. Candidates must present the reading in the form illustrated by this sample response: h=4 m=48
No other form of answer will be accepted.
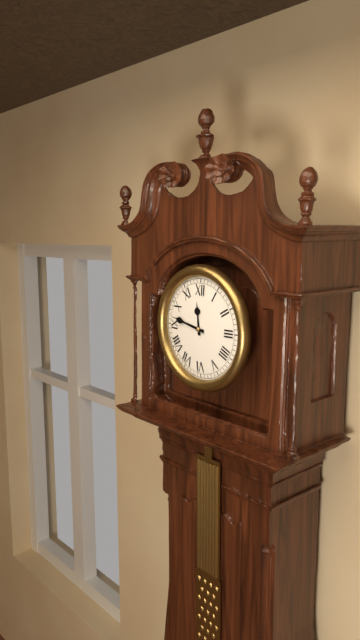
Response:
h=11 m=47
